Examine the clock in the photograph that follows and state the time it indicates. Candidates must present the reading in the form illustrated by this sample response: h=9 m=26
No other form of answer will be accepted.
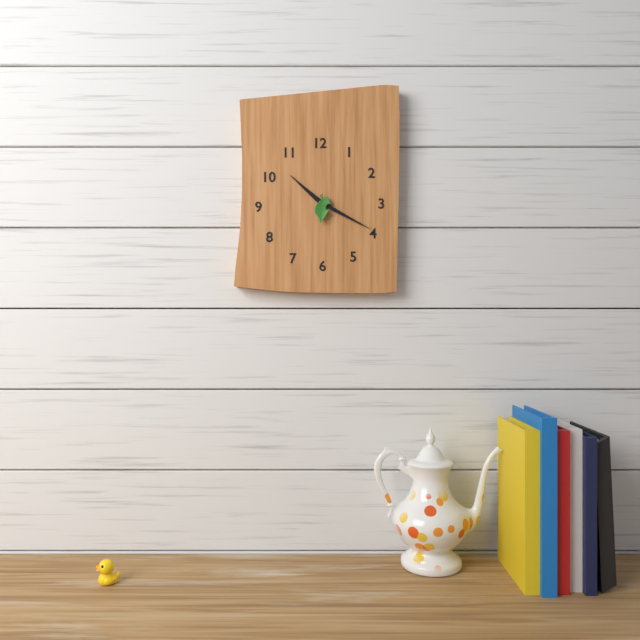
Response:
h=10 m=20
